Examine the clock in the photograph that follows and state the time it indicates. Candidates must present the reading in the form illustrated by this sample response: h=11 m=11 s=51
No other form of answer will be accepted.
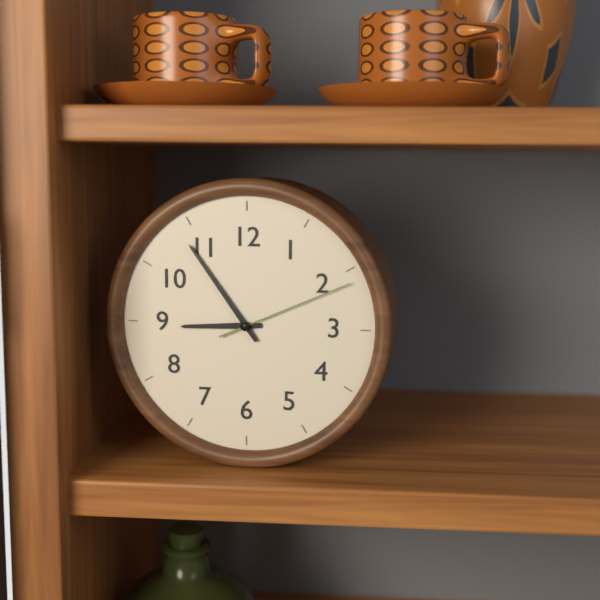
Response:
h=8 m=54 s=11
